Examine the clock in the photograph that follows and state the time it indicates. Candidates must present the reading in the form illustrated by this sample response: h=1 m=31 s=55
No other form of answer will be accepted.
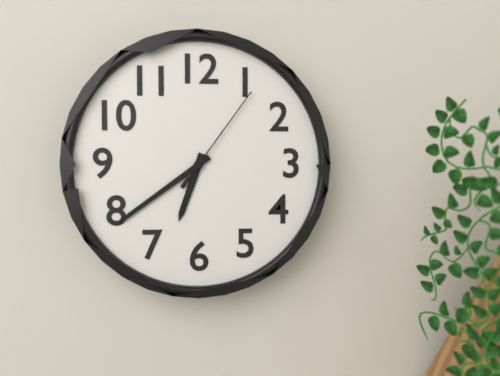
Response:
h=6 m=39 s=6
